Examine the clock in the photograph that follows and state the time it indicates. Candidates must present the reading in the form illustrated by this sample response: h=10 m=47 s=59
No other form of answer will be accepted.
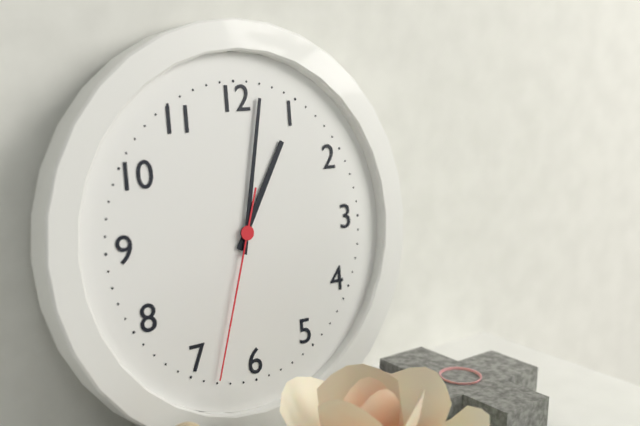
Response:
h=1 m=2 s=33
